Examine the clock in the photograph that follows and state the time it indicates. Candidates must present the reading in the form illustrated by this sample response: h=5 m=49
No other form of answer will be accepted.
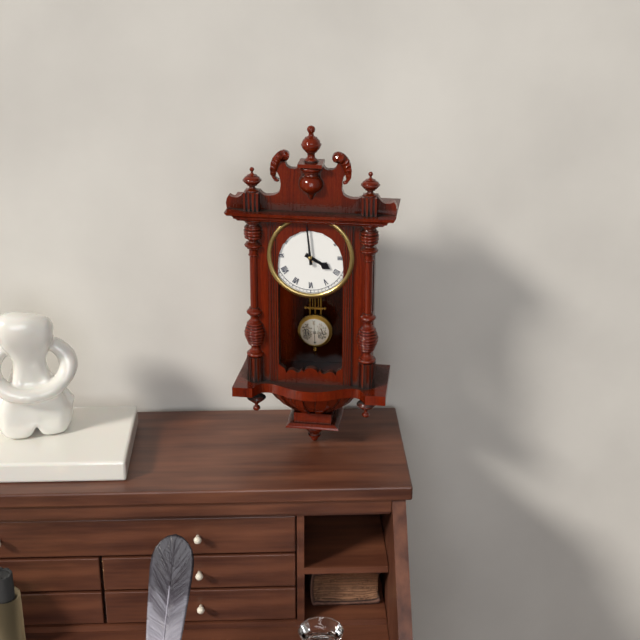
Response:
h=3 m=59
